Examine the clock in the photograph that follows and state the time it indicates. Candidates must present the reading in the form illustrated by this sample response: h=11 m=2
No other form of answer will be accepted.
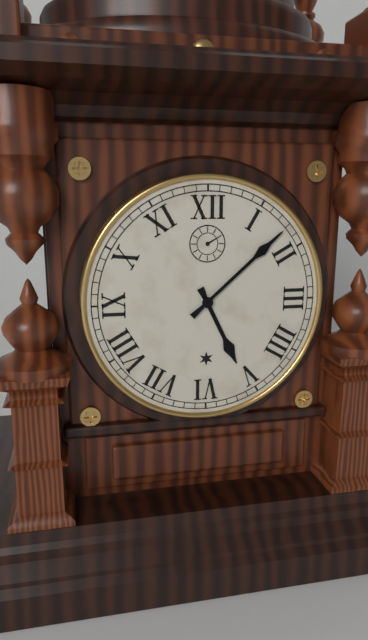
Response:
h=5 m=8
